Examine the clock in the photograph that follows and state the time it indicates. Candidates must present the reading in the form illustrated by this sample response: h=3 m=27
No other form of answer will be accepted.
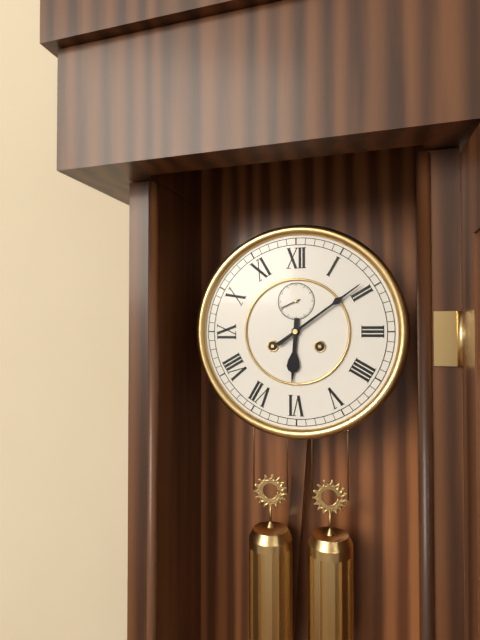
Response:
h=6 m=9
